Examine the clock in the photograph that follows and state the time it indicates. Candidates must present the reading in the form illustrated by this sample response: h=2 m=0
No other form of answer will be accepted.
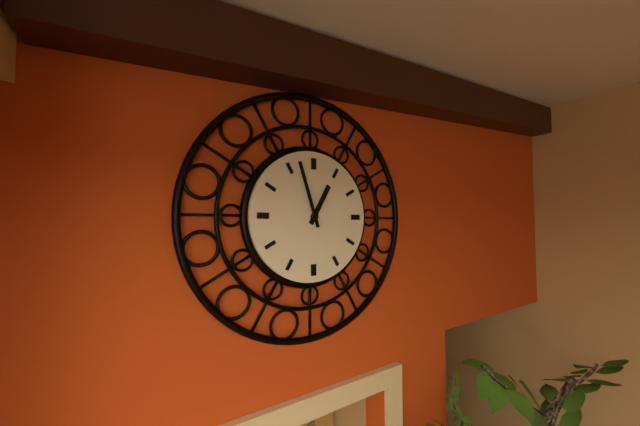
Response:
h=12 m=57
